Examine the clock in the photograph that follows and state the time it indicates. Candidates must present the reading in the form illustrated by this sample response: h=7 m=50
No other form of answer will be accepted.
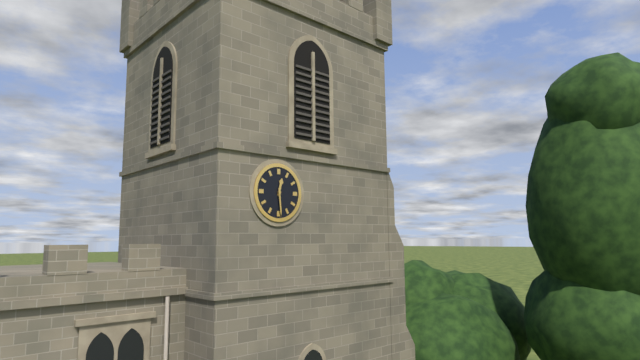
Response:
h=12 m=29
